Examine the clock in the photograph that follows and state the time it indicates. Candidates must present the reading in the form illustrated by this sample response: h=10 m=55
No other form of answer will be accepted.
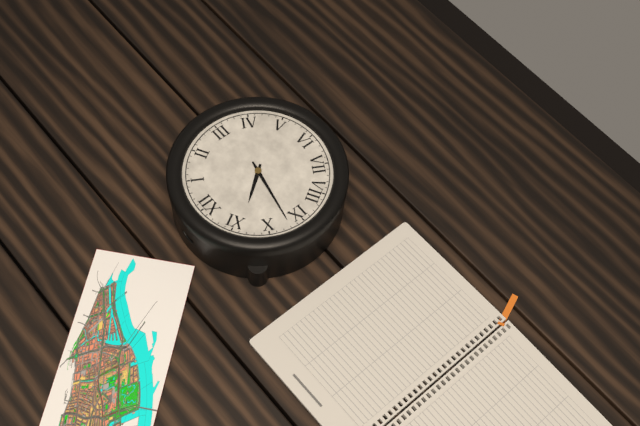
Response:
h=10 m=47
